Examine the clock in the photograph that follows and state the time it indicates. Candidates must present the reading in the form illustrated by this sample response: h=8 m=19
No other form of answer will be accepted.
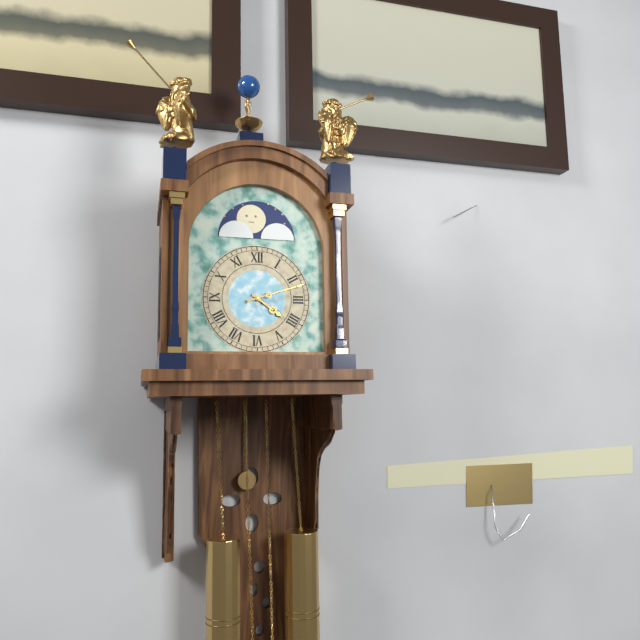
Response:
h=4 m=12
